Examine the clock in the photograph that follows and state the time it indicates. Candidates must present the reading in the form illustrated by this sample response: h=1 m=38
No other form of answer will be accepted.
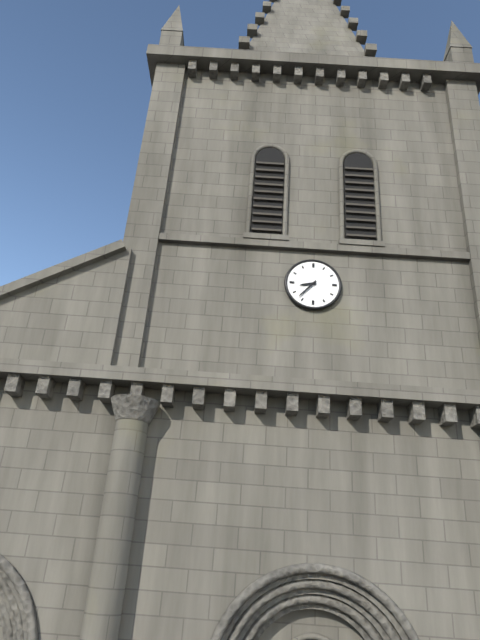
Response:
h=8 m=37
